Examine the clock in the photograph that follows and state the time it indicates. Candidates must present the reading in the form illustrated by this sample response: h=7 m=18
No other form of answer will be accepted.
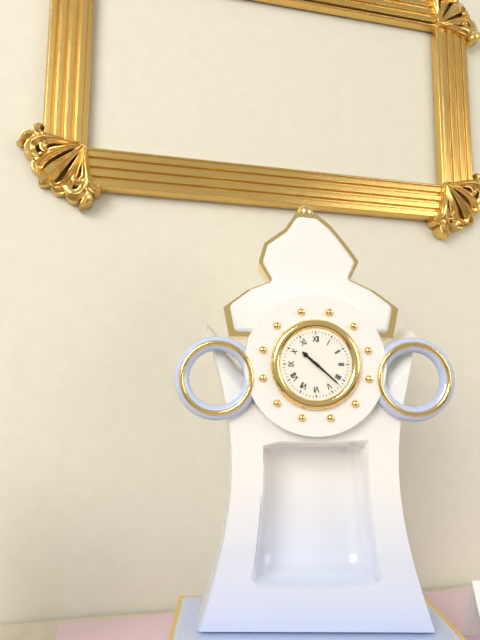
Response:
h=10 m=22
